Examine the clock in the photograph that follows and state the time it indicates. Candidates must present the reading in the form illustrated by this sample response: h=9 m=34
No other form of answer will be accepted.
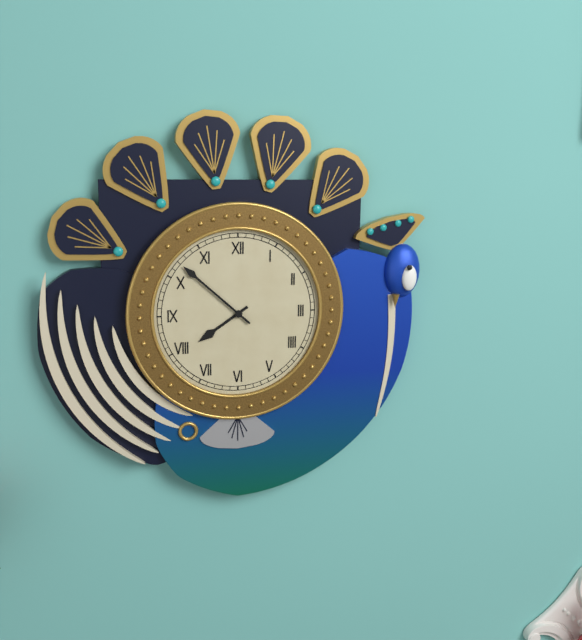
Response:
h=7 m=52
